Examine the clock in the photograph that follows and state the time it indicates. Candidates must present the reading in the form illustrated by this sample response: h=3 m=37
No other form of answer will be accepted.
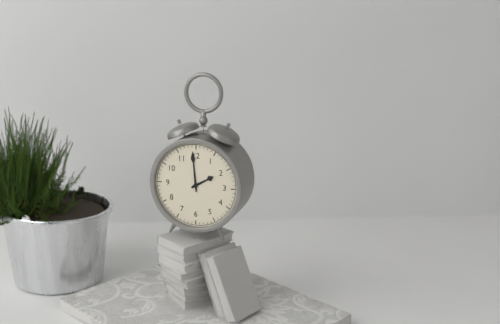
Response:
h=1 m=59
